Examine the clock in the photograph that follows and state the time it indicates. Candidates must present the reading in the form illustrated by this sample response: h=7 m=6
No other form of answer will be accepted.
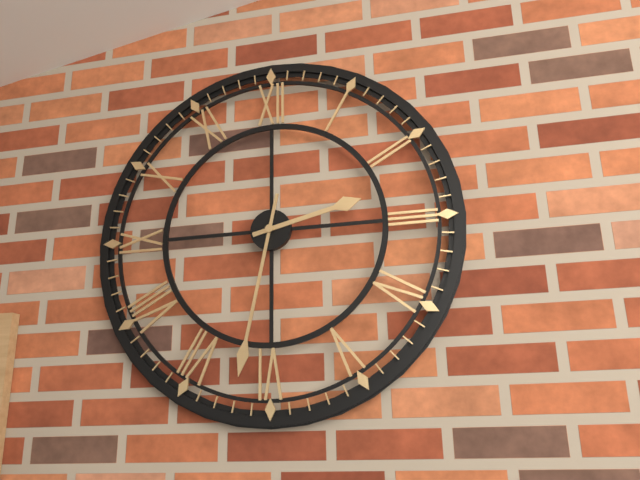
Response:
h=2 m=32
